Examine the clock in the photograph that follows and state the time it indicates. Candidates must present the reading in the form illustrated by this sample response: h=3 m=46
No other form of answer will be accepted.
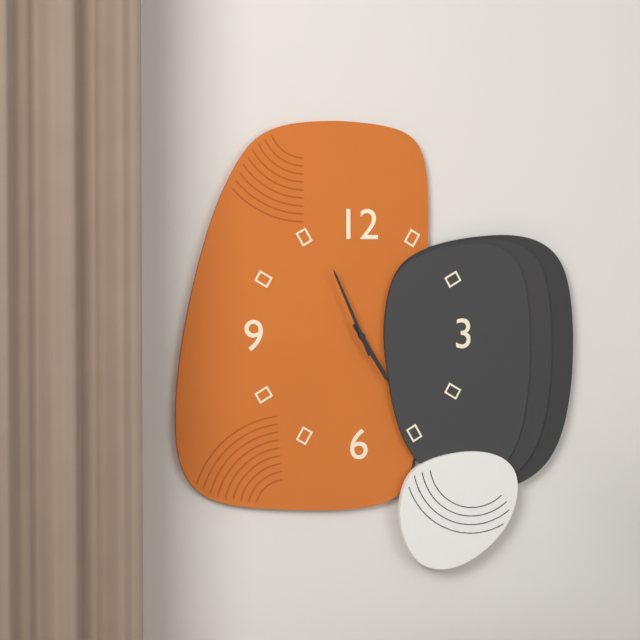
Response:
h=4 m=56
